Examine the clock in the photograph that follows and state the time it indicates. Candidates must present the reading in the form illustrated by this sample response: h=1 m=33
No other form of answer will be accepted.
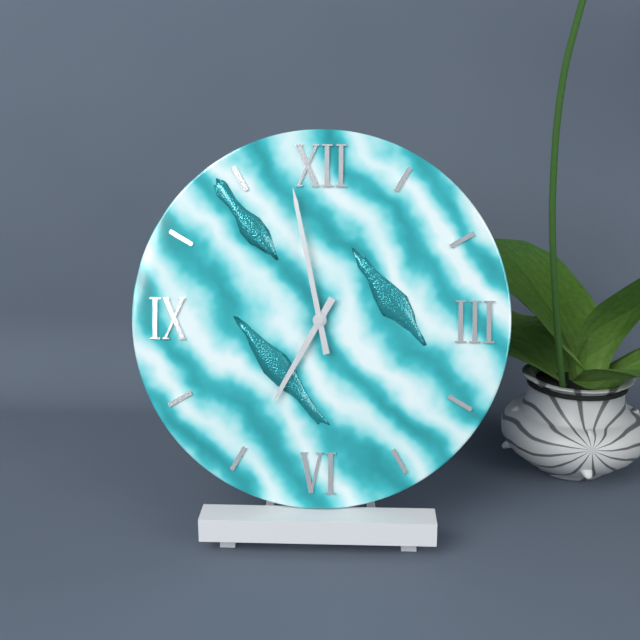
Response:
h=6 m=58
